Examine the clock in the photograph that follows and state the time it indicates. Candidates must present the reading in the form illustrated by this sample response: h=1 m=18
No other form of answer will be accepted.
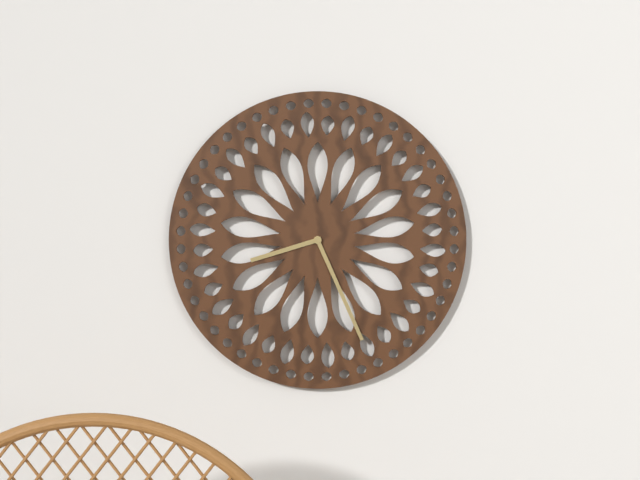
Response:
h=8 m=26
